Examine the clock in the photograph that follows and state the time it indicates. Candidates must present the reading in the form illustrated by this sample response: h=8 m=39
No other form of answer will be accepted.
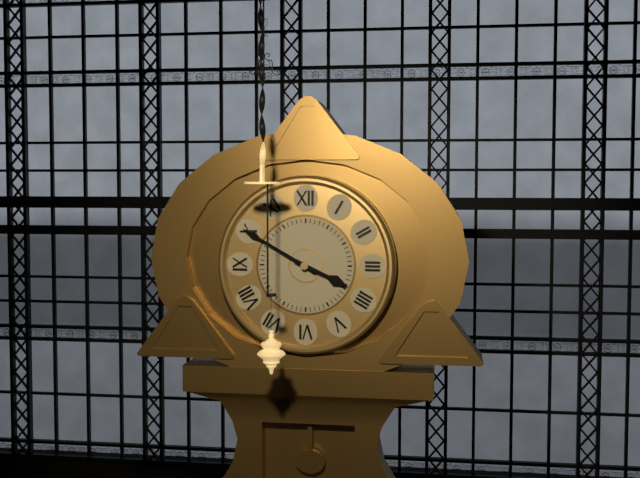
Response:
h=3 m=50
